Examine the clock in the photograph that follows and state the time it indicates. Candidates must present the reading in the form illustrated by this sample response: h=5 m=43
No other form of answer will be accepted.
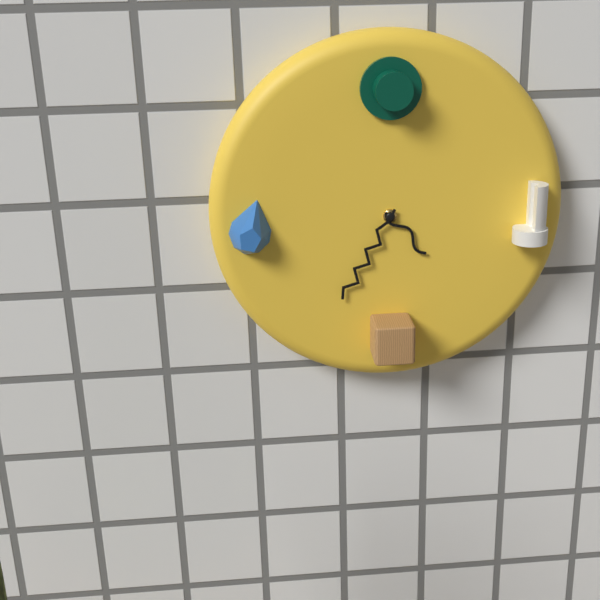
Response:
h=4 m=35
